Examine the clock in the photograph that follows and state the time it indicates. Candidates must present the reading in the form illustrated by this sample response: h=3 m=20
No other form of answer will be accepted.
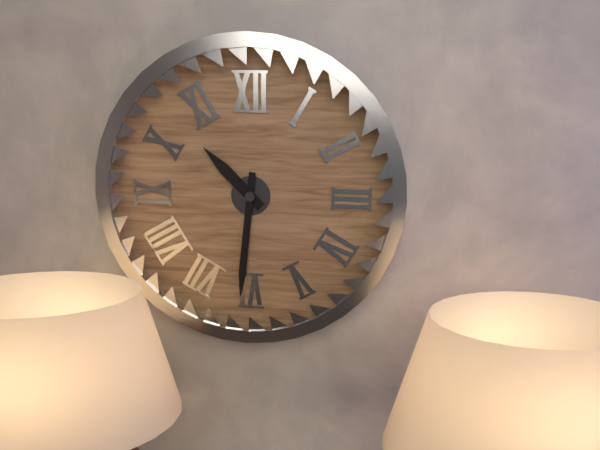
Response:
h=10 m=31
